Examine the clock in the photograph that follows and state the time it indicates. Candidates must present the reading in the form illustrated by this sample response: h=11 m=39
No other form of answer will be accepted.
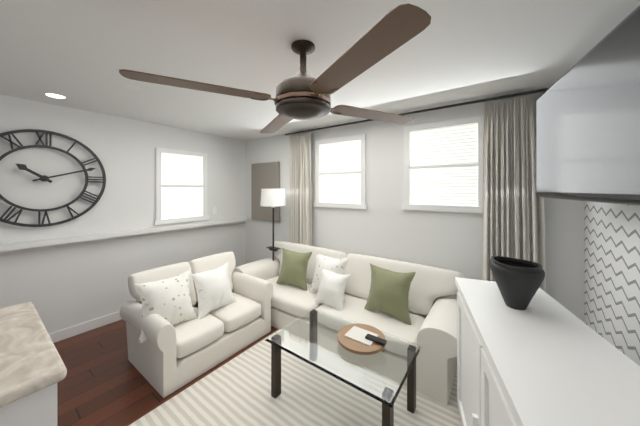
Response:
h=10 m=12
